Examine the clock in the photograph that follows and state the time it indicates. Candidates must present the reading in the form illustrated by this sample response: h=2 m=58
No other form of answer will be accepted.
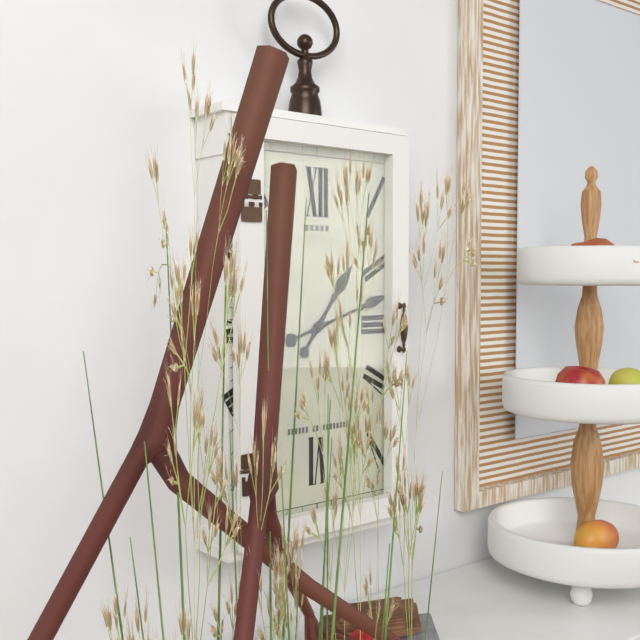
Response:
h=1 m=12
